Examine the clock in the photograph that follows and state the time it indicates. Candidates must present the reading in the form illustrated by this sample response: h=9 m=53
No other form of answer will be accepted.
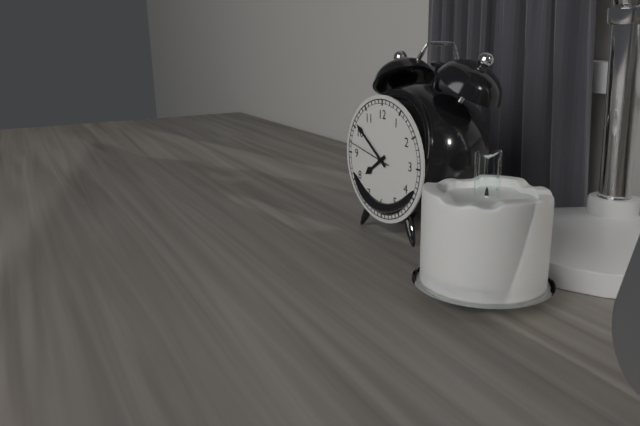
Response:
h=7 m=51
